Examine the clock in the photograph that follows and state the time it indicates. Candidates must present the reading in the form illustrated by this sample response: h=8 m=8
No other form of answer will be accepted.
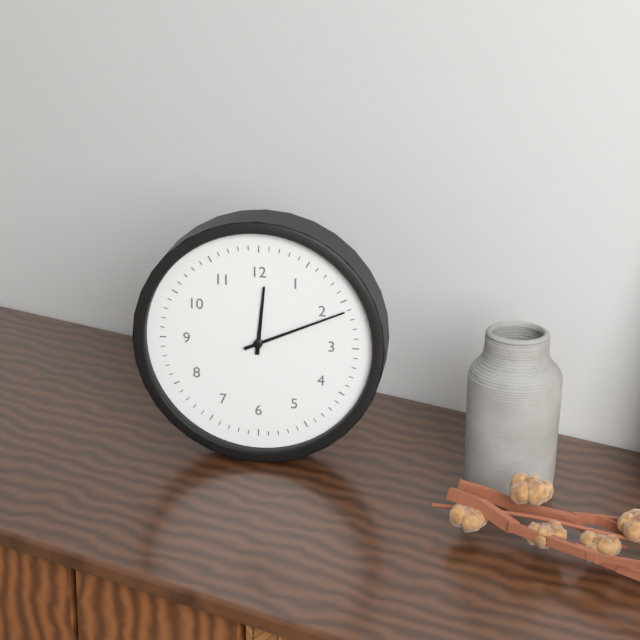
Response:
h=12 m=11
